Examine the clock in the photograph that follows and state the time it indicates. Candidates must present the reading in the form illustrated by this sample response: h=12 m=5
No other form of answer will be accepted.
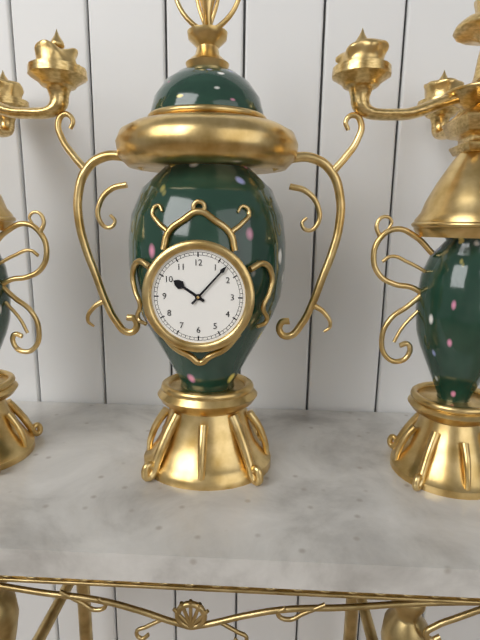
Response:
h=10 m=7
